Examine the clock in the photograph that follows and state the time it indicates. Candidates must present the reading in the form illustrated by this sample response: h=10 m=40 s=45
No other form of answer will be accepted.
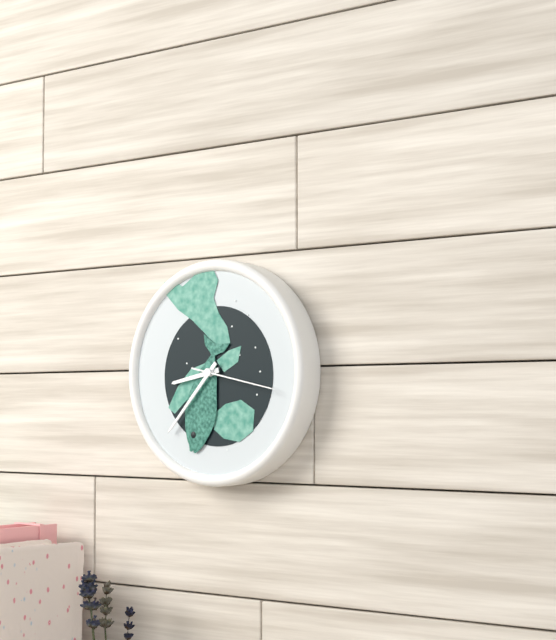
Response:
h=8 m=37 s=17
